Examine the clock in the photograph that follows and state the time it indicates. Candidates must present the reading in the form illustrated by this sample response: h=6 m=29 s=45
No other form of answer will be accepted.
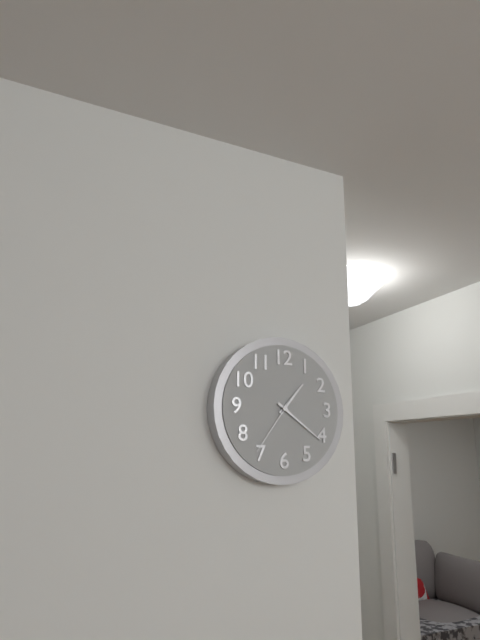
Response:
h=1 m=21 s=36
